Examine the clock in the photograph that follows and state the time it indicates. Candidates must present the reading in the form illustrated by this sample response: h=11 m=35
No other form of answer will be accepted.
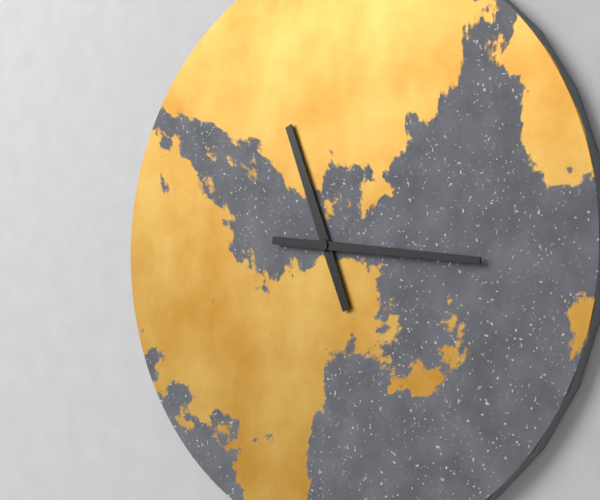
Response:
h=11 m=16
